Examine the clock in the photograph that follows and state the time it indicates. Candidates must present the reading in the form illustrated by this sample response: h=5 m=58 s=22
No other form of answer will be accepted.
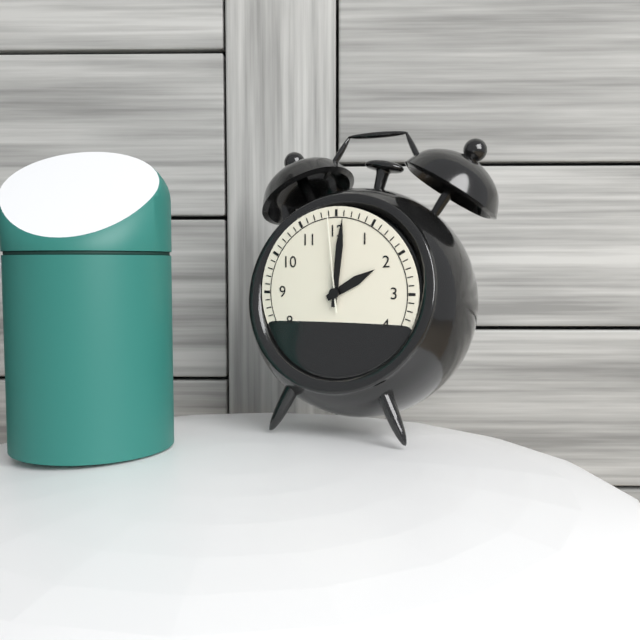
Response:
h=2 m=1 s=59
